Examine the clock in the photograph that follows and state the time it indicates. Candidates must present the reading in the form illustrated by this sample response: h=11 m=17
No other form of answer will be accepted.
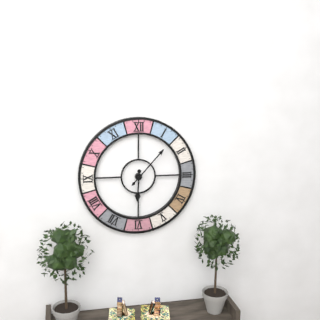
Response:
h=6 m=7
